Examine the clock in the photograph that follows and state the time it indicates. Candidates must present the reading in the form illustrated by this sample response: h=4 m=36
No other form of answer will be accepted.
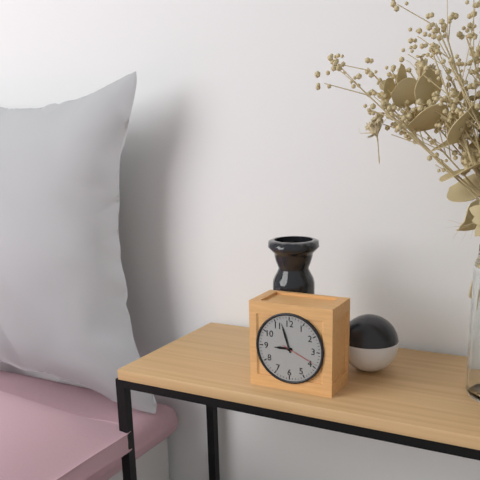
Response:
h=8 m=57
